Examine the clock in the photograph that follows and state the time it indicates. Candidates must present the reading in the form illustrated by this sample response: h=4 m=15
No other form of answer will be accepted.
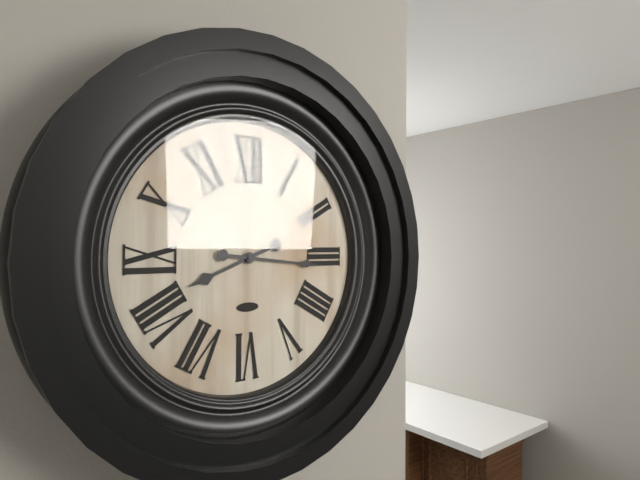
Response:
h=8 m=16
